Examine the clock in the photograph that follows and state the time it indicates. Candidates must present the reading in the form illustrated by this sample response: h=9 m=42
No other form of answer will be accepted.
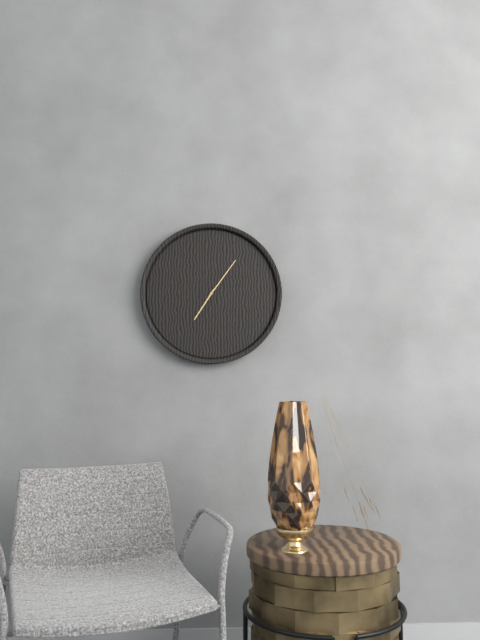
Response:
h=7 m=6
